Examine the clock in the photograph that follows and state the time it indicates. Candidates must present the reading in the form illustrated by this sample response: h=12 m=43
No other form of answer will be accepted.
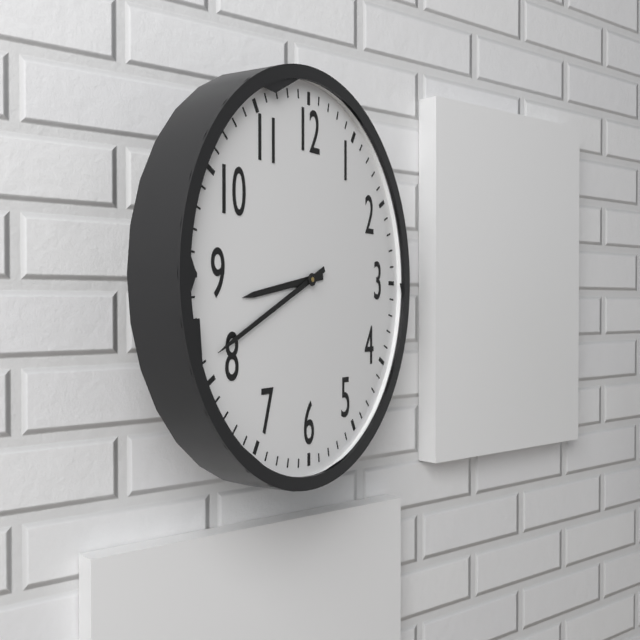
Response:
h=8 m=41
